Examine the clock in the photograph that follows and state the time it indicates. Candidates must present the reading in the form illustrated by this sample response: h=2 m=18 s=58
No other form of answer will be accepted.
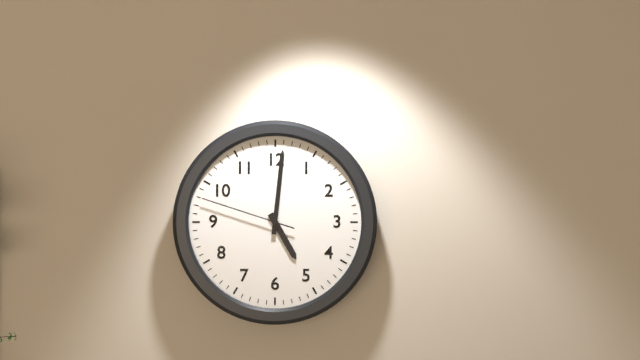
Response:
h=5 m=1 s=48
